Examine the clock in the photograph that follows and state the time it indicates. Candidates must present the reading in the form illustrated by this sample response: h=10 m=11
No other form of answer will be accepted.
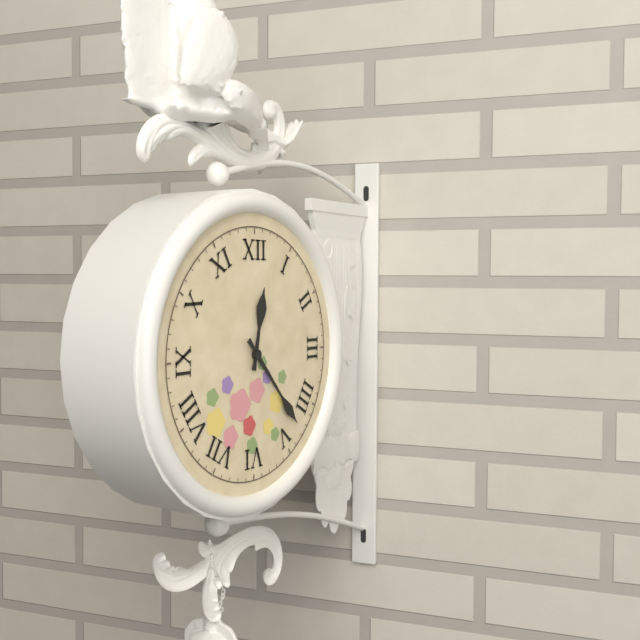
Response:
h=12 m=23
